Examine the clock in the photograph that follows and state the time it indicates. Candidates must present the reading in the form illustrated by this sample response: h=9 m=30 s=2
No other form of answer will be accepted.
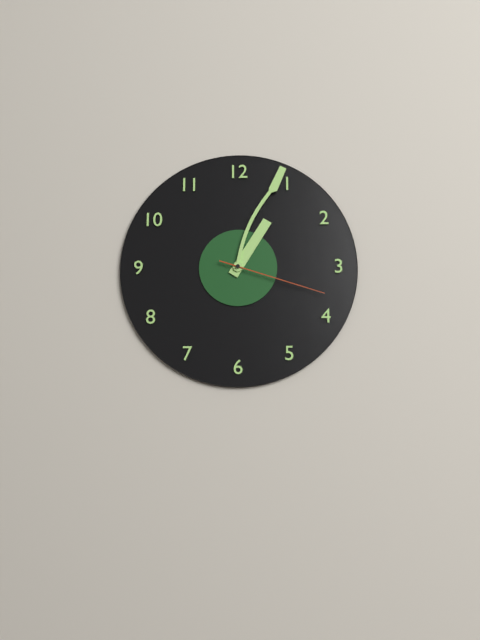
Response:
h=1 m=4 s=18
